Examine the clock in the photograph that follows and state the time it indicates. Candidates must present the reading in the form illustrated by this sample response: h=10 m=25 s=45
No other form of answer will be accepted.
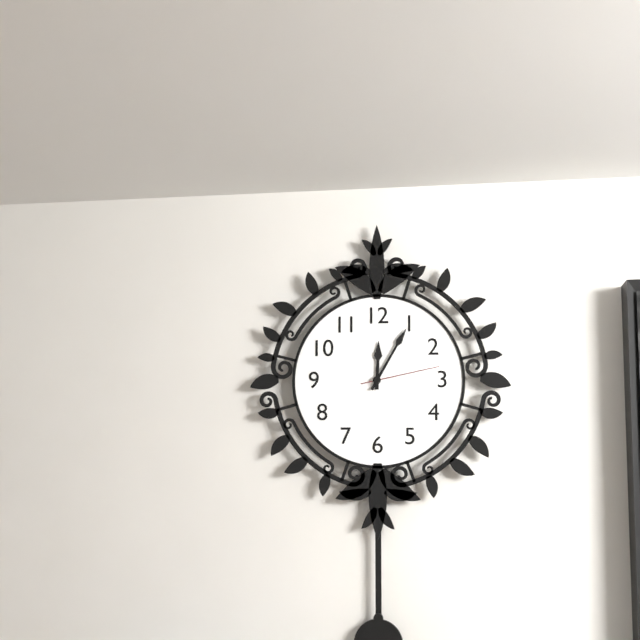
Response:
h=12 m=5 s=13
